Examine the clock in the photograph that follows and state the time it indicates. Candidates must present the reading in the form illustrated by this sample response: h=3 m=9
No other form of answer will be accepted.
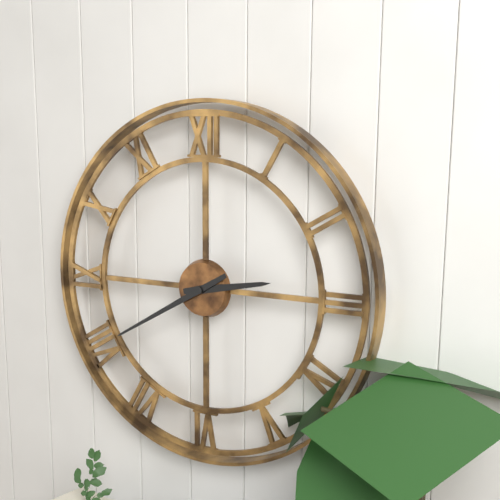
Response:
h=2 m=40
